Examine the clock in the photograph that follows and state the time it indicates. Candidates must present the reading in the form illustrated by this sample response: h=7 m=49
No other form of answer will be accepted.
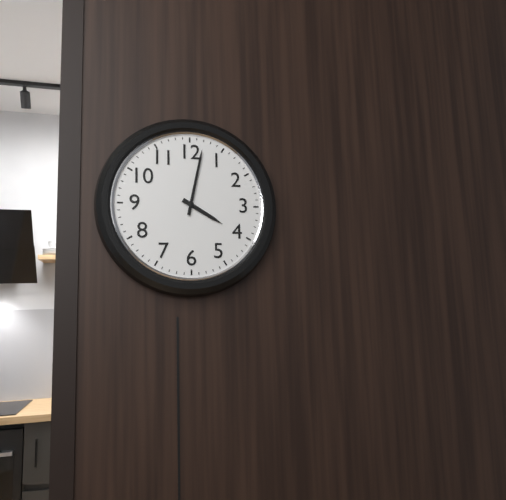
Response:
h=4 m=2
